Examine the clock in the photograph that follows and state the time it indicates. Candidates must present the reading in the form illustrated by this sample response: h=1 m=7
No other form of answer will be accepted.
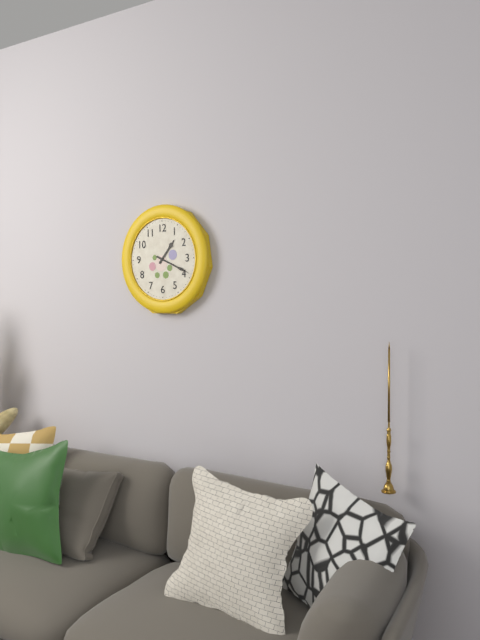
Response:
h=1 m=19
